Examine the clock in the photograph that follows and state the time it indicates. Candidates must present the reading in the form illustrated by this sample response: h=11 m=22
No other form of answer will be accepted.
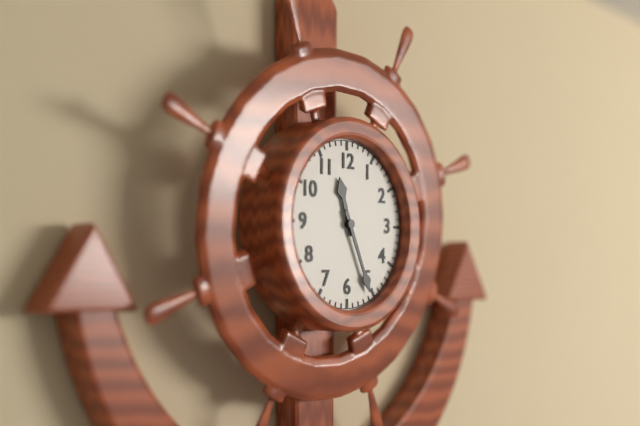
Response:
h=11 m=26
